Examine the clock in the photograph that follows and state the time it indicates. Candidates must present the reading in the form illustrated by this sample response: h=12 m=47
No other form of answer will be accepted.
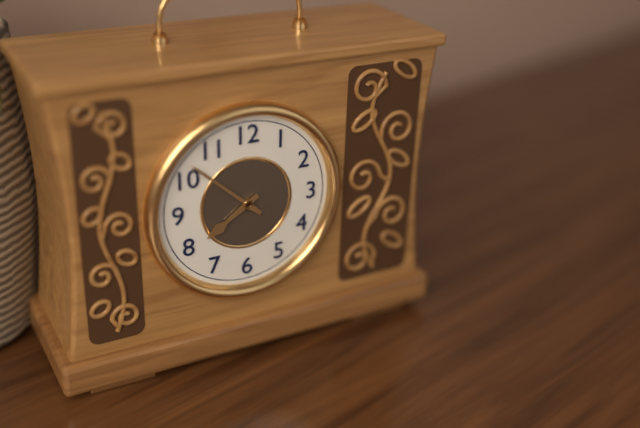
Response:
h=7 m=52
